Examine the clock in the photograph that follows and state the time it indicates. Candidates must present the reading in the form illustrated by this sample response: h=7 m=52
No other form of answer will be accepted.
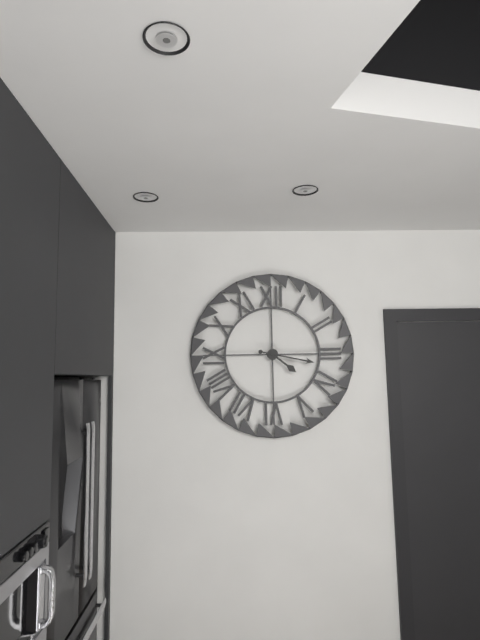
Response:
h=4 m=17
